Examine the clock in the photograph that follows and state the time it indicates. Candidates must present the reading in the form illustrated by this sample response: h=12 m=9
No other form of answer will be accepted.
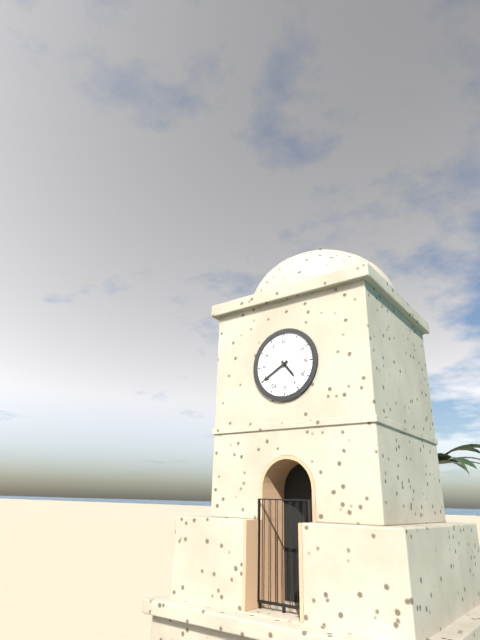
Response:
h=4 m=40
